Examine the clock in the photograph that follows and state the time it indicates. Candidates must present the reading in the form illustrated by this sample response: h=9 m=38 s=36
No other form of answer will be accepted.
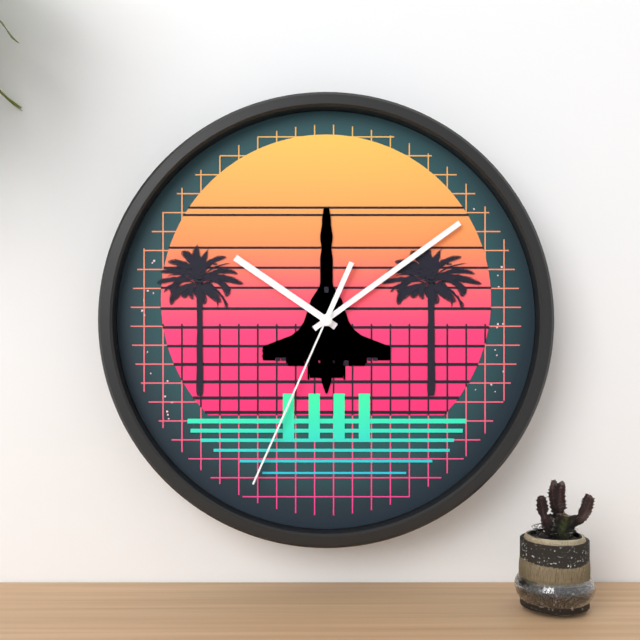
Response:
h=10 m=9 s=34
